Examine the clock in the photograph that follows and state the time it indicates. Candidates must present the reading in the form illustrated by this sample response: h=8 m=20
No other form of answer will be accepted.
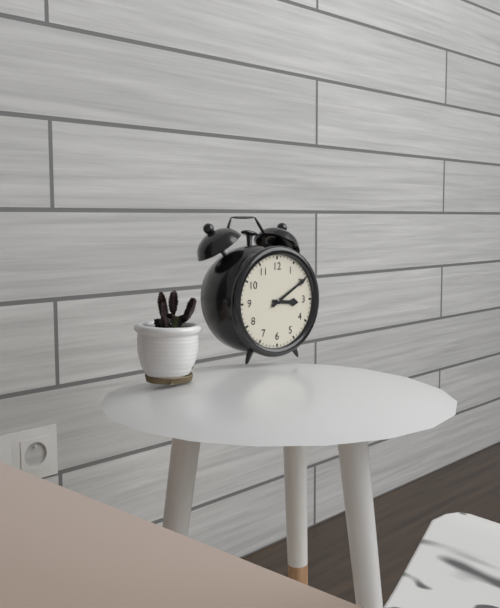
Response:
h=3 m=10
